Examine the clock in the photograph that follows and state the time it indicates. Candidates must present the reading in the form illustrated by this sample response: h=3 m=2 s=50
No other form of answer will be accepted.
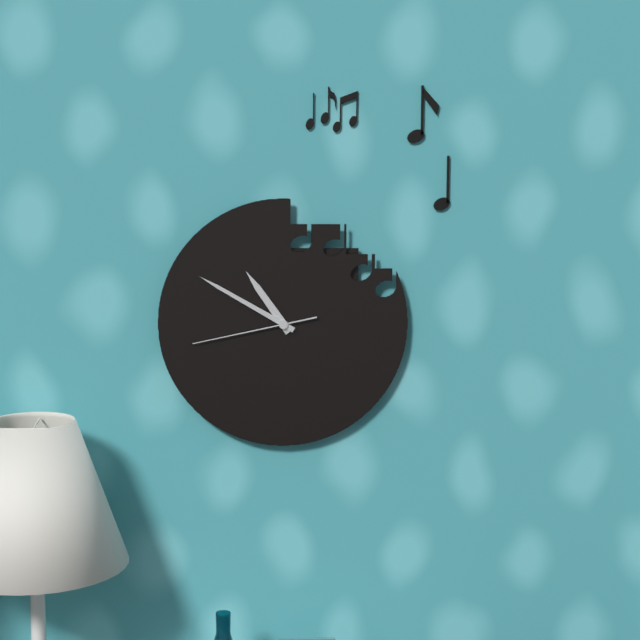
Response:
h=10 m=50 s=43
